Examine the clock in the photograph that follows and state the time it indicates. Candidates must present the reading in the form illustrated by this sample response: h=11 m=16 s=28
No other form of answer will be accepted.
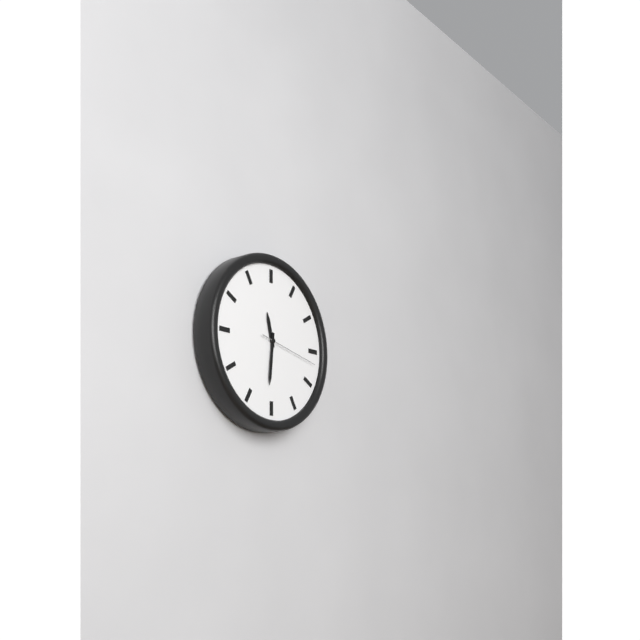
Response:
h=11 m=31 s=17
